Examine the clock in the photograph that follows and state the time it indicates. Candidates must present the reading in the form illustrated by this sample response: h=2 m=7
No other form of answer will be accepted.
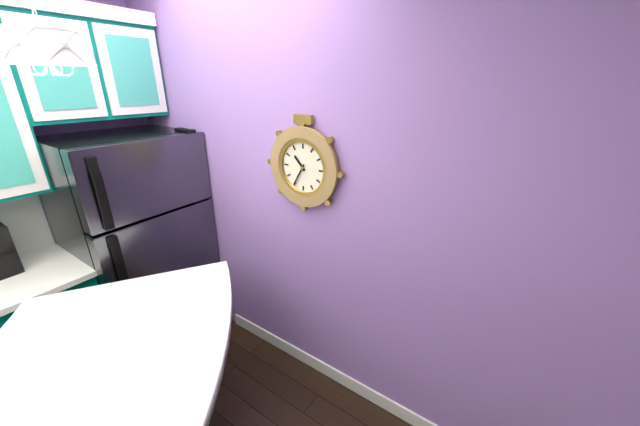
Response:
h=10 m=35
